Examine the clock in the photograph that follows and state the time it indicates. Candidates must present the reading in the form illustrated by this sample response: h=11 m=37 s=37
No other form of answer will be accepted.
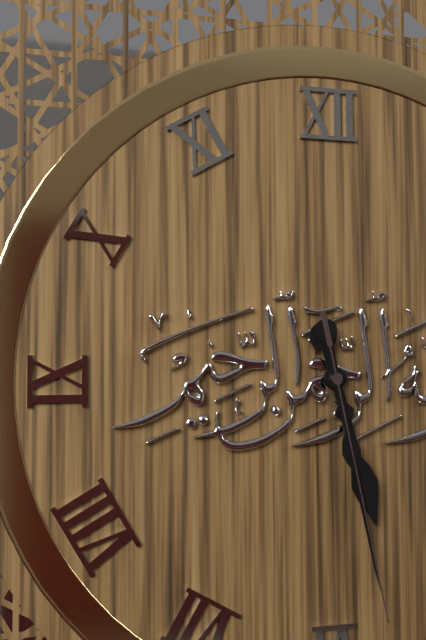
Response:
h=5 m=28 s=28
